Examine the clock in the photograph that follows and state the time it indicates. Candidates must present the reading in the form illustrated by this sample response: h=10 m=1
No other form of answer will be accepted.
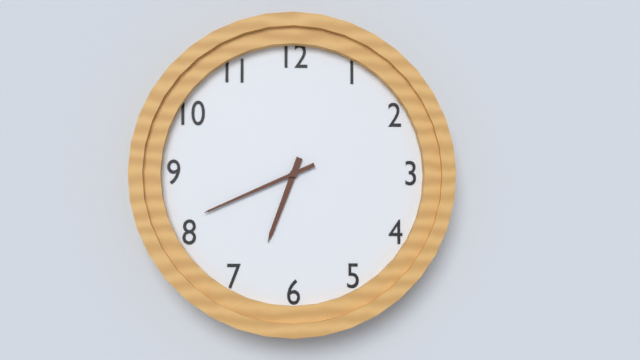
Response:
h=6 m=41
